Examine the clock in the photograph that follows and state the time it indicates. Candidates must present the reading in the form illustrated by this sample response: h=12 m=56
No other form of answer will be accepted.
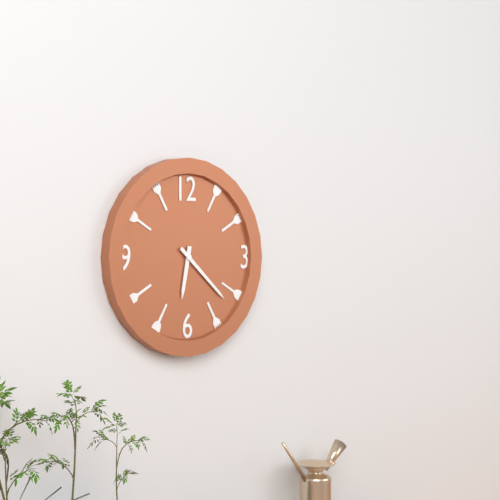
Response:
h=6 m=22
